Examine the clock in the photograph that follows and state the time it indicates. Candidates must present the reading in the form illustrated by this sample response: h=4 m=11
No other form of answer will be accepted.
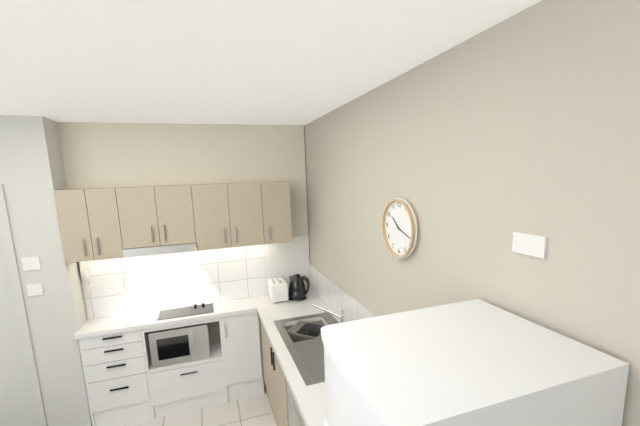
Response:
h=10 m=18
